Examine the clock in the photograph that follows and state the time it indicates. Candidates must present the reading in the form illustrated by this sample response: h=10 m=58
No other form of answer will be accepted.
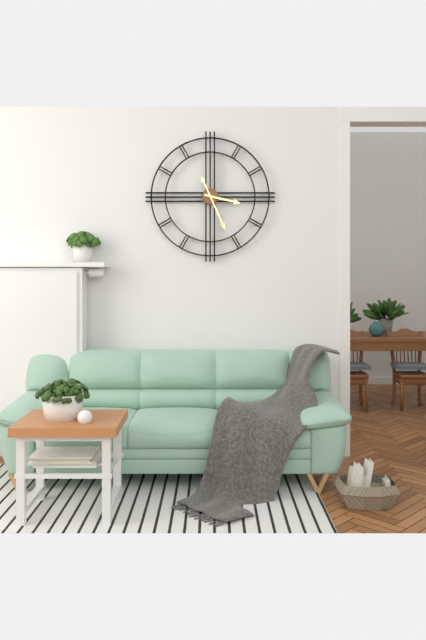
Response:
h=3 m=26
